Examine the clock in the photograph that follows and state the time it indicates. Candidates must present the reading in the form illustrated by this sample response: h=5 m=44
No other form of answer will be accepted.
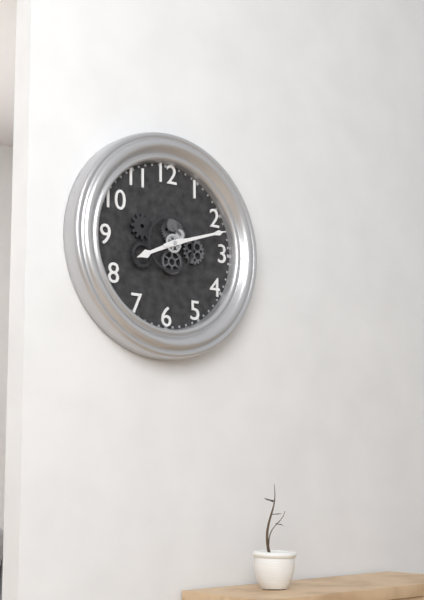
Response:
h=8 m=12
